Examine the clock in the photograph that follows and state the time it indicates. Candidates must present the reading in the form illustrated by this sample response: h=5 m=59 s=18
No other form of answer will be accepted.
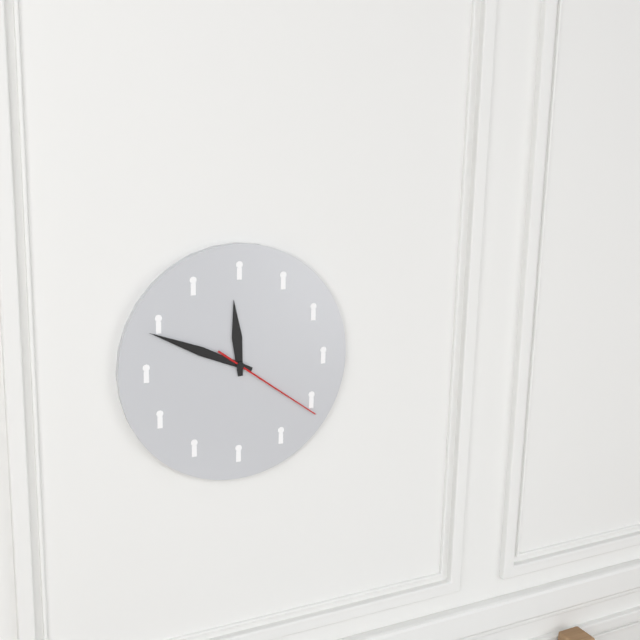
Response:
h=11 m=49 s=21
